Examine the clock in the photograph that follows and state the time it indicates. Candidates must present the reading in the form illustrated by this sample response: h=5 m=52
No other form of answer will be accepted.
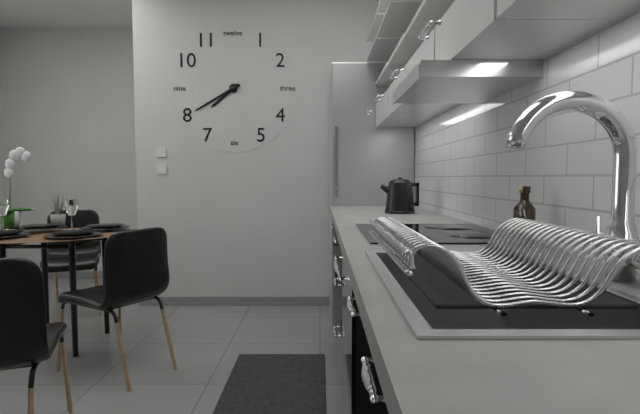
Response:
h=7 m=40
